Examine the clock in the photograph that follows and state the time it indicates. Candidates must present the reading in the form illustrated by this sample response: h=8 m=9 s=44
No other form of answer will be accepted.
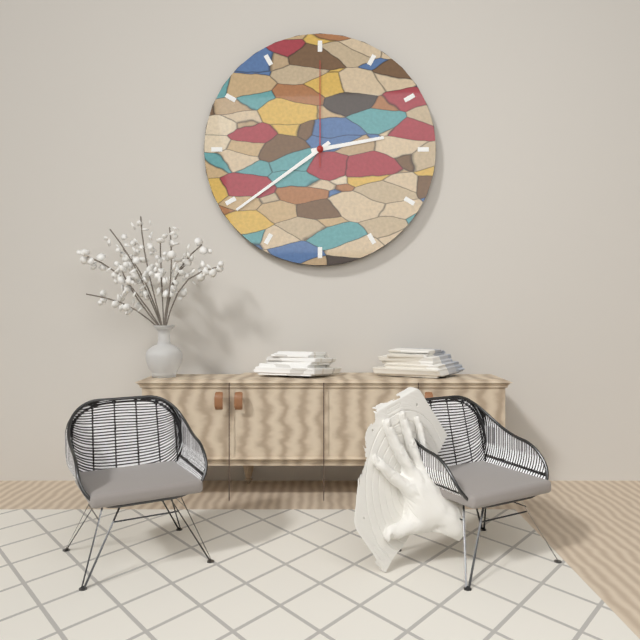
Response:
h=2 m=39 s=0
